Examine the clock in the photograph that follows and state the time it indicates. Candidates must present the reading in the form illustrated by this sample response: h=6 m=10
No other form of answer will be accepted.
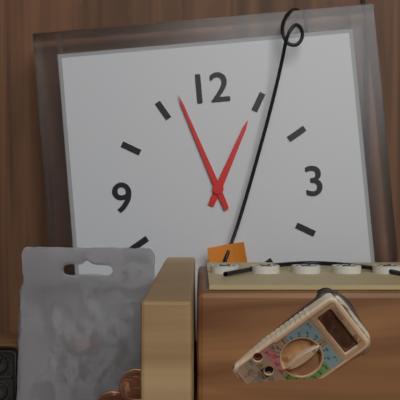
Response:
h=12 m=57
